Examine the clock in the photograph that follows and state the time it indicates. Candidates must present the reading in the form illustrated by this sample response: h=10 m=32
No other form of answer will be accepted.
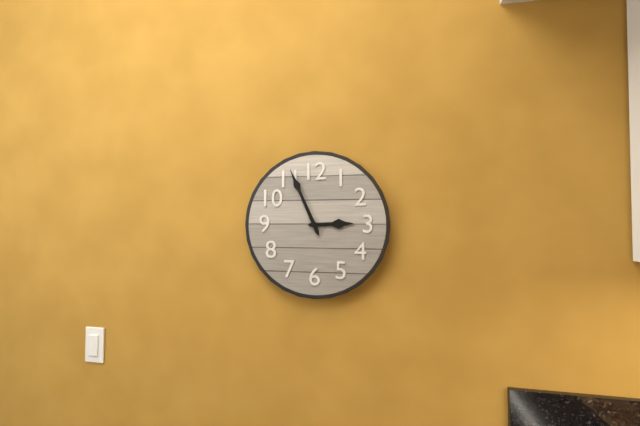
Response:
h=2 m=56
